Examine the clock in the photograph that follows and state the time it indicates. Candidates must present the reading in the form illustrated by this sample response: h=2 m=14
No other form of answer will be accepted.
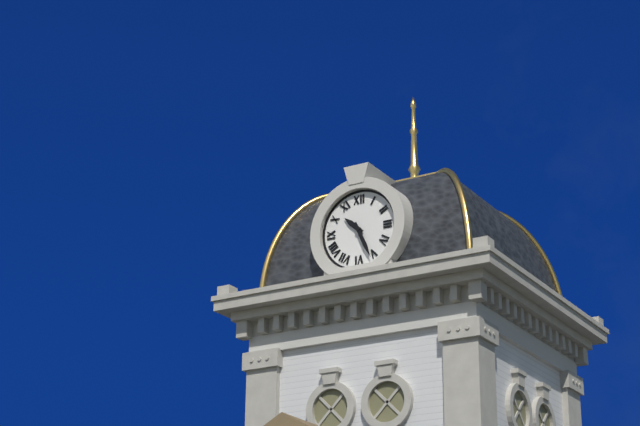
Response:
h=10 m=26
